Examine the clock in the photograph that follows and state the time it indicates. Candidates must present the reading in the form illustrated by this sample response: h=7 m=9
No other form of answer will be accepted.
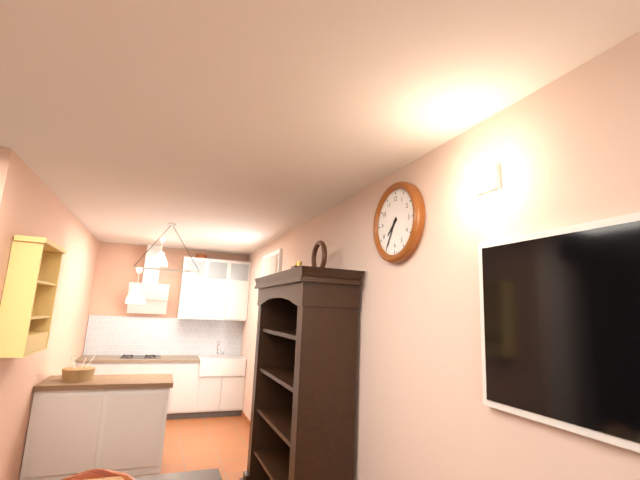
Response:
h=7 m=35
